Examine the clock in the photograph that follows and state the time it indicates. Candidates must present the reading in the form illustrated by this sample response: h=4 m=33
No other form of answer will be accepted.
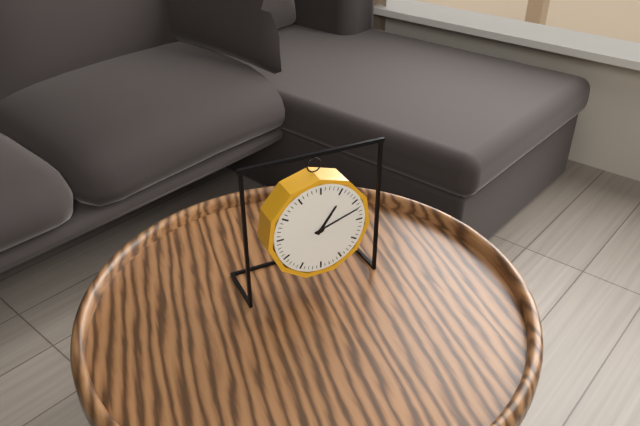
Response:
h=1 m=12
